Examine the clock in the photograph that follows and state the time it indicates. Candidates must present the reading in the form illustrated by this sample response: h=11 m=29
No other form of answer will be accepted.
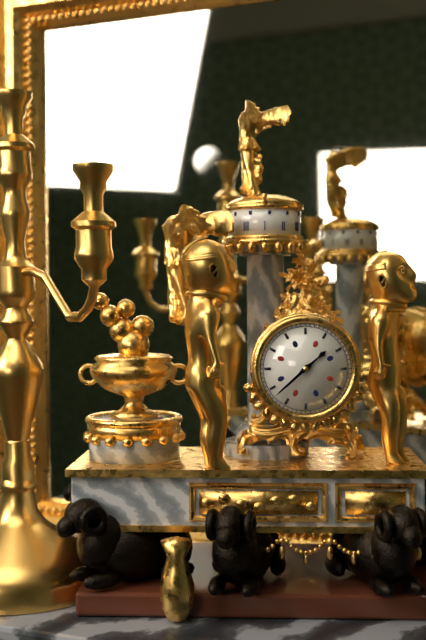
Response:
h=1 m=38
